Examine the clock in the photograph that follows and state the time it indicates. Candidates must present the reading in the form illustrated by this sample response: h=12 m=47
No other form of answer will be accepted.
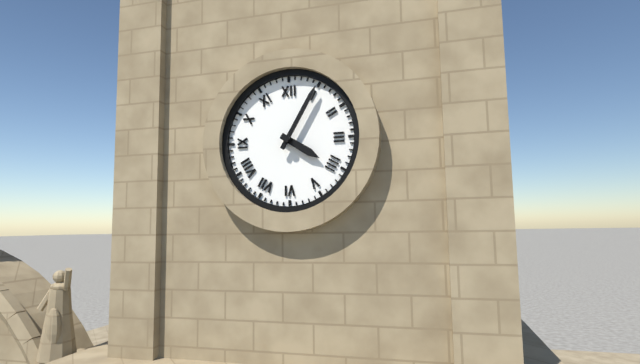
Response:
h=4 m=5
